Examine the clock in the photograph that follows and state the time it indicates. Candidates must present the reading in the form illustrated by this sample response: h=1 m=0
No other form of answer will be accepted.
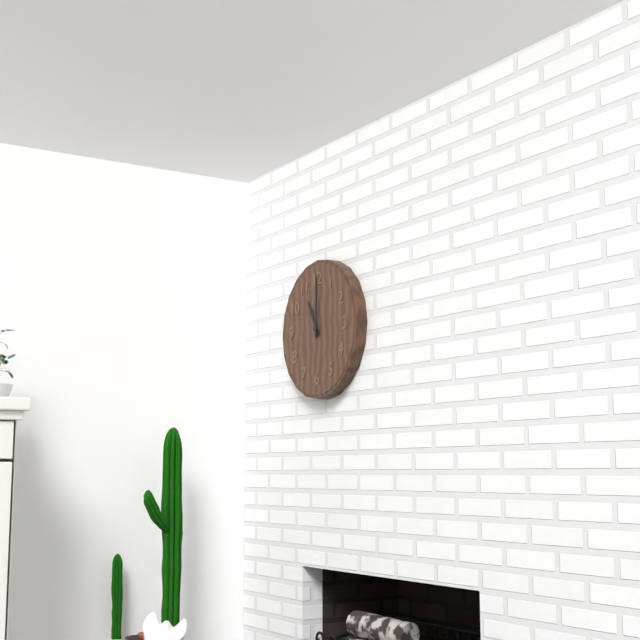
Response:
h=11 m=0
